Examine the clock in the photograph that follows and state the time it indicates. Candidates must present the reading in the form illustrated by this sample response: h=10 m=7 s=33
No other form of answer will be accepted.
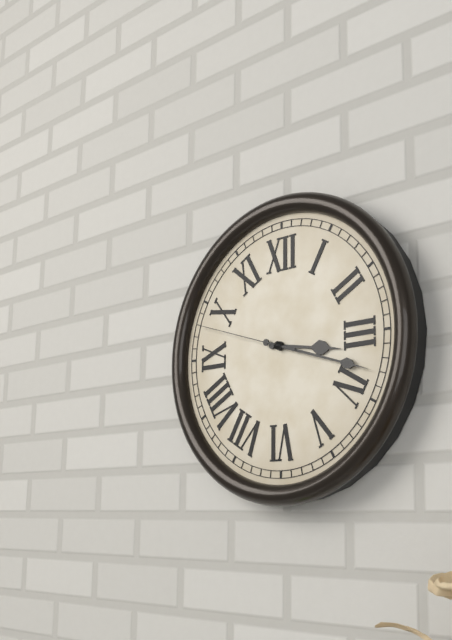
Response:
h=3 m=18 s=48
